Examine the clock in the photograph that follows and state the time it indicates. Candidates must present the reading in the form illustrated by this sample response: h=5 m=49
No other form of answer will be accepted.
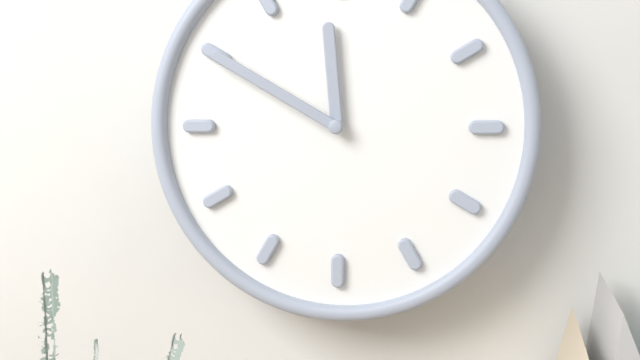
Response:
h=11 m=50
